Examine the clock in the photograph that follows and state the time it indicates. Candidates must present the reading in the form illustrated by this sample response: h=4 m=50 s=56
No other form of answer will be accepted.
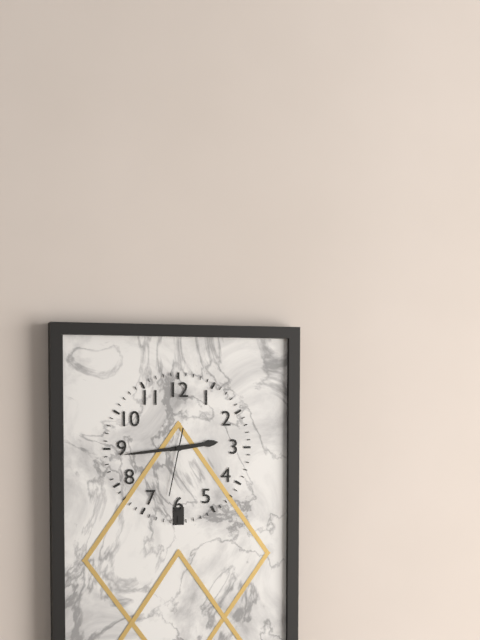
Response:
h=2 m=44 s=32
